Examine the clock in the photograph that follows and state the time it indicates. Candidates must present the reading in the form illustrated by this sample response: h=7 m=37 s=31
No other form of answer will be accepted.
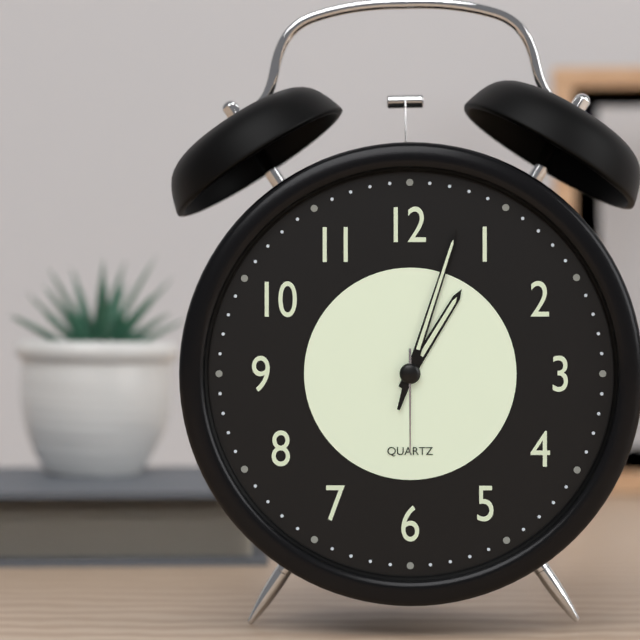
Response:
h=1 m=3 s=30
